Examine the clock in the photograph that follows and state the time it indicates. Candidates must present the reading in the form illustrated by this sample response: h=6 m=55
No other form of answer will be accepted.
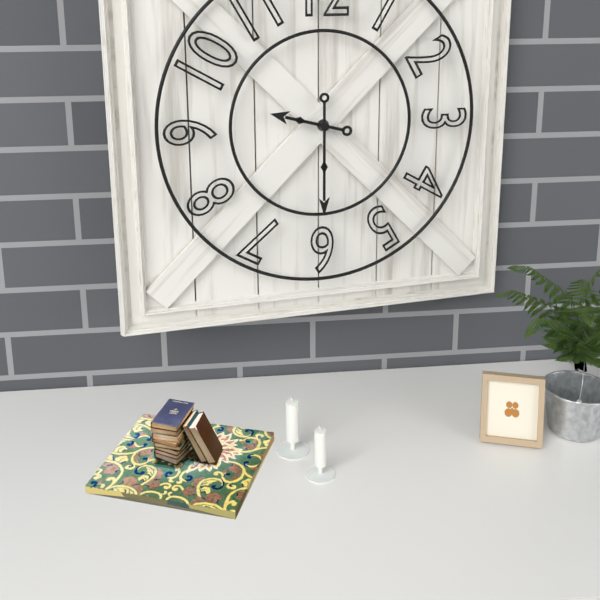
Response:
h=9 m=30
